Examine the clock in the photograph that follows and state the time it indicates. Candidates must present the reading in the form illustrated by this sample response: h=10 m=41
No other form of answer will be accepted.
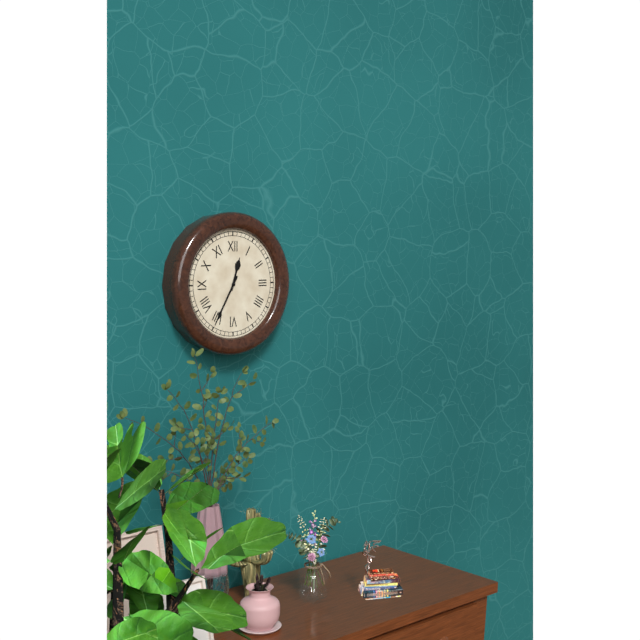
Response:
h=12 m=35
